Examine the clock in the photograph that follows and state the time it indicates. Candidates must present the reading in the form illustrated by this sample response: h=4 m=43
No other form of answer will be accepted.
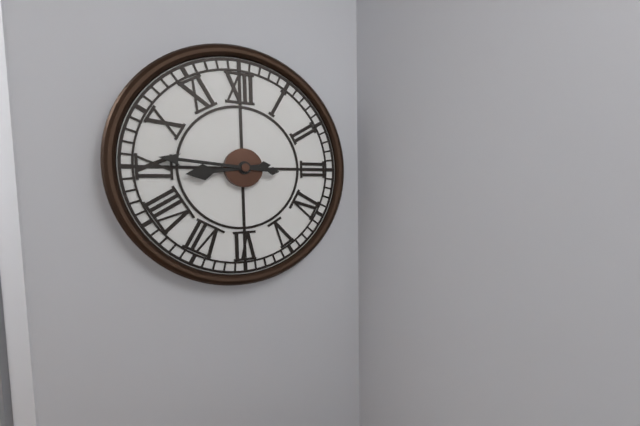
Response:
h=8 m=46
